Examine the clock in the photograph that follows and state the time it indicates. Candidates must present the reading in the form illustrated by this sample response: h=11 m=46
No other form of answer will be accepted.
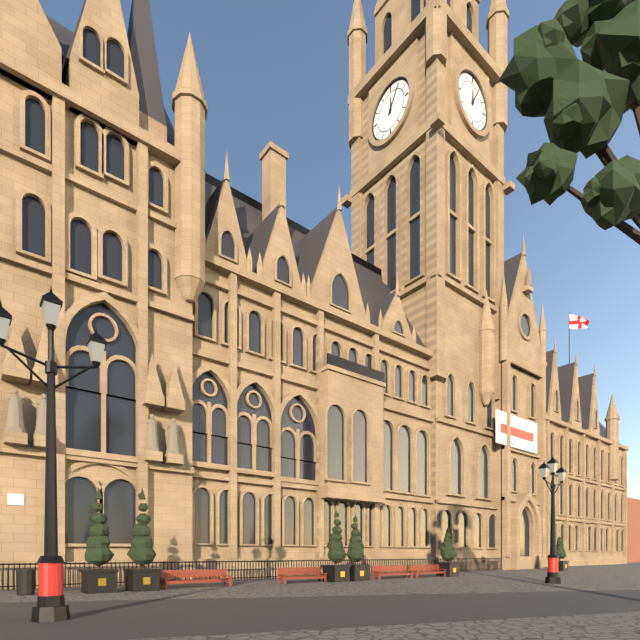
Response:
h=12 m=5
